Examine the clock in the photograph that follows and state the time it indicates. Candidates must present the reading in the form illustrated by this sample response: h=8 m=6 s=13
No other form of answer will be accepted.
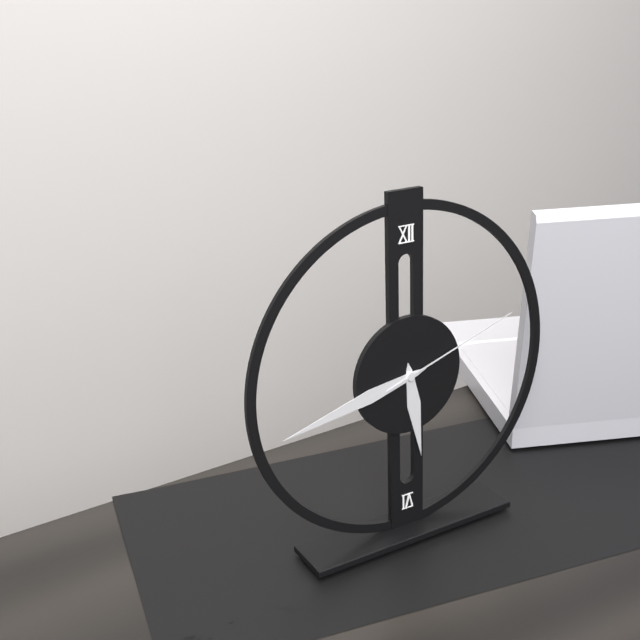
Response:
h=5 m=43 s=12
